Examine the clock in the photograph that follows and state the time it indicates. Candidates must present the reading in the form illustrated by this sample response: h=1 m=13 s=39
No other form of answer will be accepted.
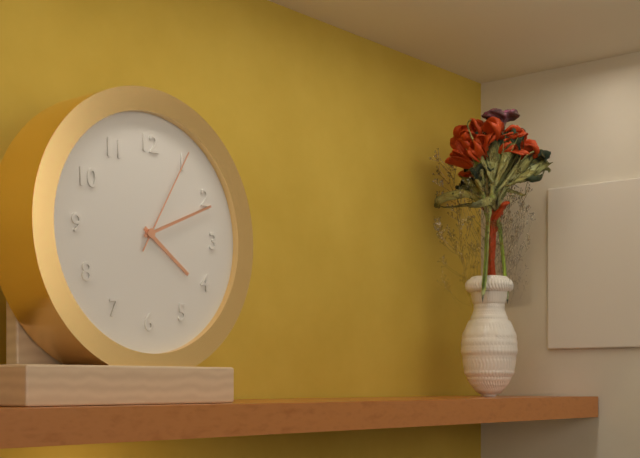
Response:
h=4 m=11 s=5
